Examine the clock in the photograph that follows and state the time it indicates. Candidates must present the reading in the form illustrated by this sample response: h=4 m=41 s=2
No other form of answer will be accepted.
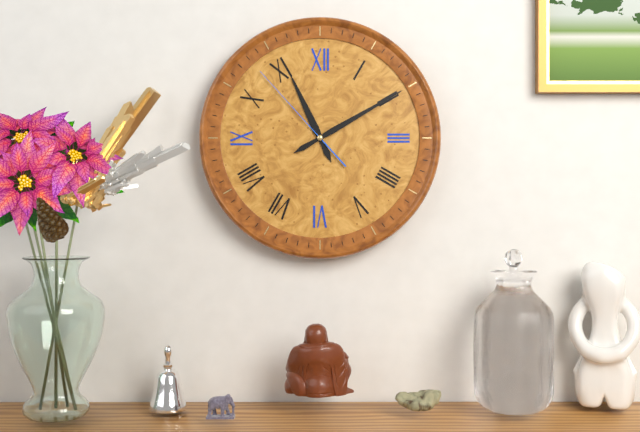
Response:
h=11 m=10 s=53
